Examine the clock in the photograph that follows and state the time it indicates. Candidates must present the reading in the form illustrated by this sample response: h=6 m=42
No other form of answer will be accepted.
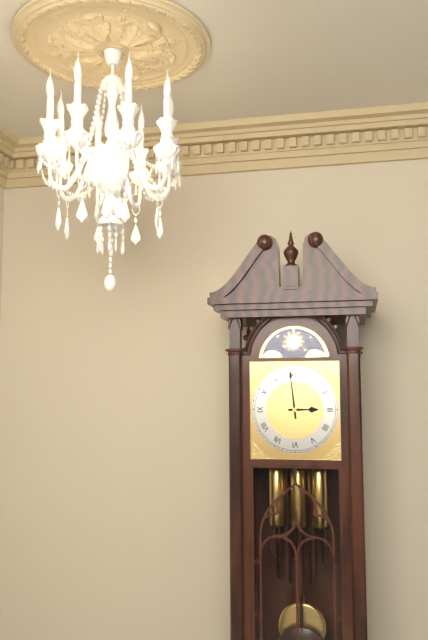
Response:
h=2 m=59
